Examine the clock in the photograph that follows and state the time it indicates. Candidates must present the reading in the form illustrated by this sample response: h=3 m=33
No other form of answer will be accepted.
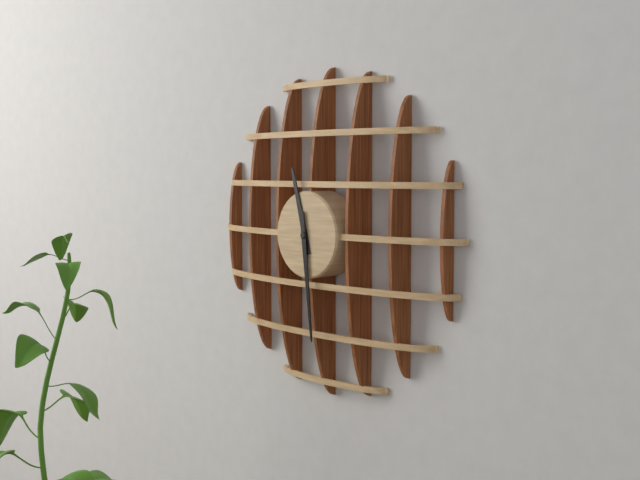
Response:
h=11 m=29
